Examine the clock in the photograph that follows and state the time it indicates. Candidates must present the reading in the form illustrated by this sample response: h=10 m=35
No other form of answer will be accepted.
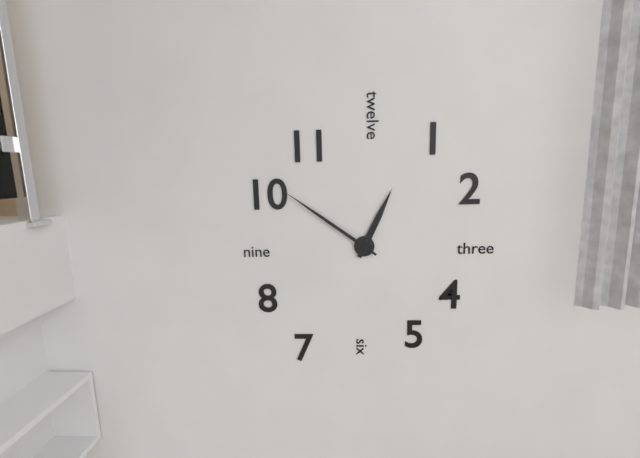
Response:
h=12 m=51
